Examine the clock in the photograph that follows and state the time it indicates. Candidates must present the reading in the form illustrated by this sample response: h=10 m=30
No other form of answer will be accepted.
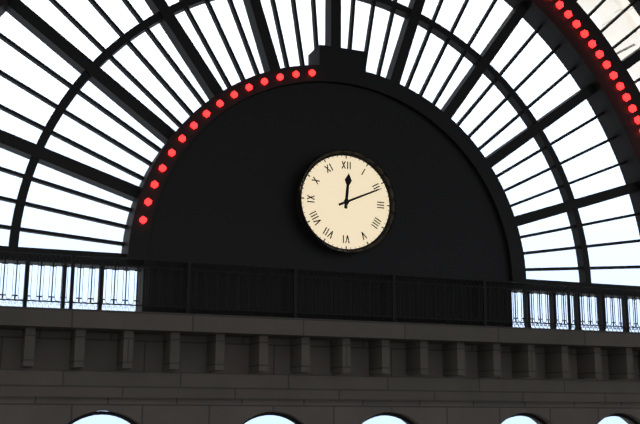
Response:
h=12 m=11
